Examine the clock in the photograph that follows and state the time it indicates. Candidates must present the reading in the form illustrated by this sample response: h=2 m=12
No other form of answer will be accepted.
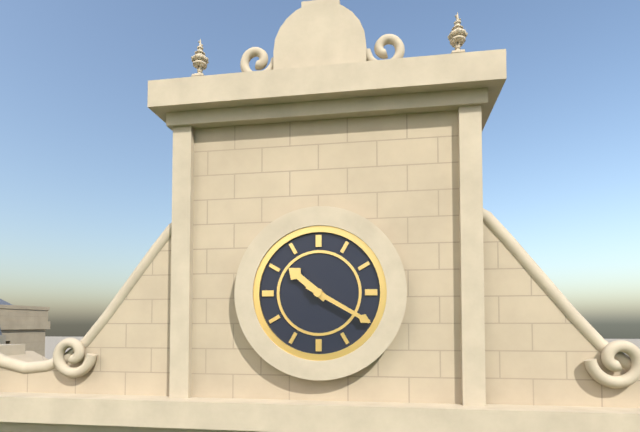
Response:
h=10 m=20
